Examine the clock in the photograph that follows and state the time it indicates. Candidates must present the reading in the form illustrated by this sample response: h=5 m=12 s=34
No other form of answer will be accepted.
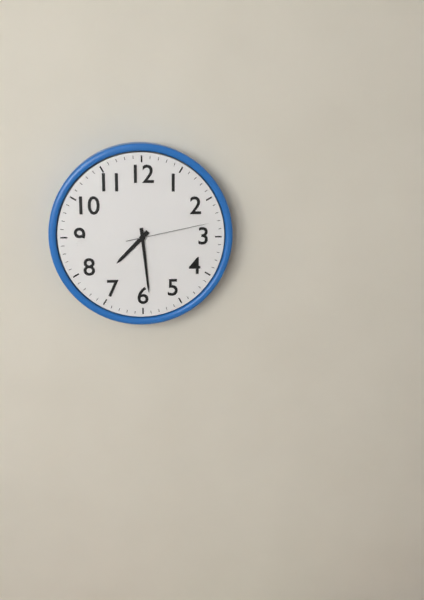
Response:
h=7 m=29 s=13
